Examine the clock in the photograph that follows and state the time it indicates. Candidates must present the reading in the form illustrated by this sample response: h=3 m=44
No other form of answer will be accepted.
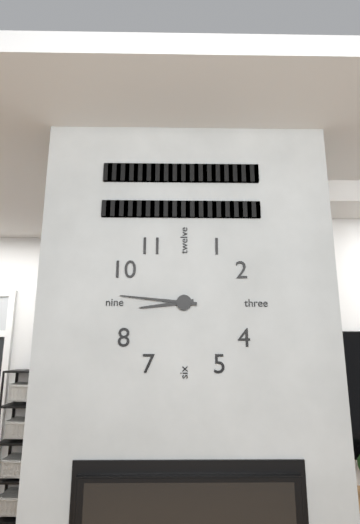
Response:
h=8 m=46
